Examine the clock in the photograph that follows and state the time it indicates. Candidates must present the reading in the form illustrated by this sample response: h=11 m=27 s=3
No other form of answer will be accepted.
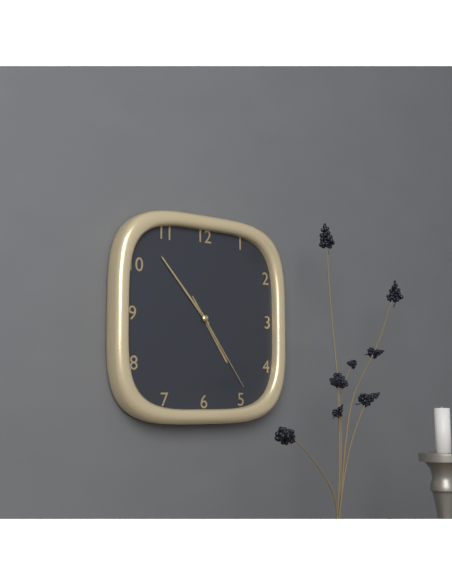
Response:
h=4 m=53 s=24
